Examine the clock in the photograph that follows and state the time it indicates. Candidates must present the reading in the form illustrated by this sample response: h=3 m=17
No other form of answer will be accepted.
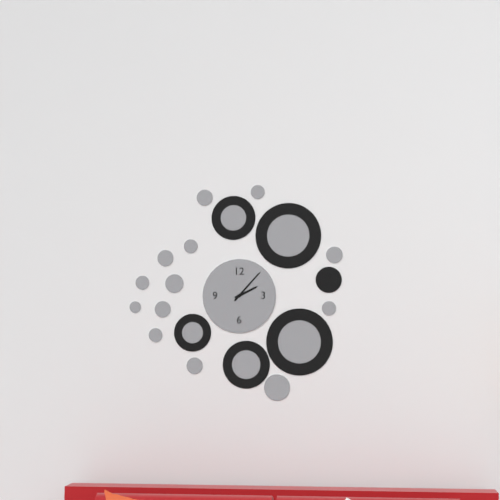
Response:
h=2 m=7
